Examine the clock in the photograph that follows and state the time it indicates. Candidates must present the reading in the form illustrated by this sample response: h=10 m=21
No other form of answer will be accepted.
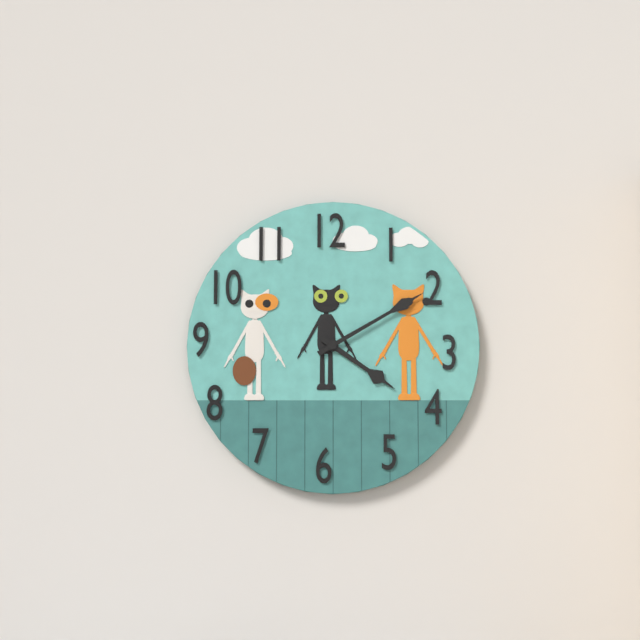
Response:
h=4 m=10
